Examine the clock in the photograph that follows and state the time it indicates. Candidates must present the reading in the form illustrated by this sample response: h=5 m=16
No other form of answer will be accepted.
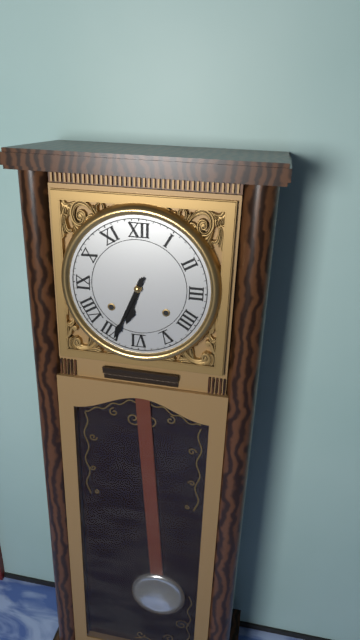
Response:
h=6 m=34
